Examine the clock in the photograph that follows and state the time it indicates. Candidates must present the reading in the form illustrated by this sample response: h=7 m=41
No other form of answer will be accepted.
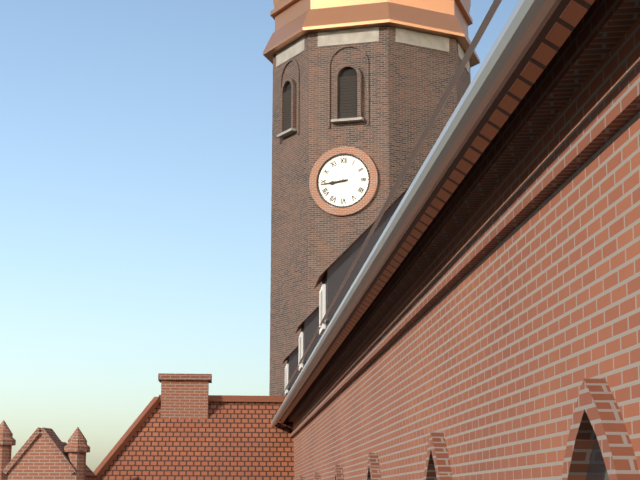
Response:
h=8 m=44
